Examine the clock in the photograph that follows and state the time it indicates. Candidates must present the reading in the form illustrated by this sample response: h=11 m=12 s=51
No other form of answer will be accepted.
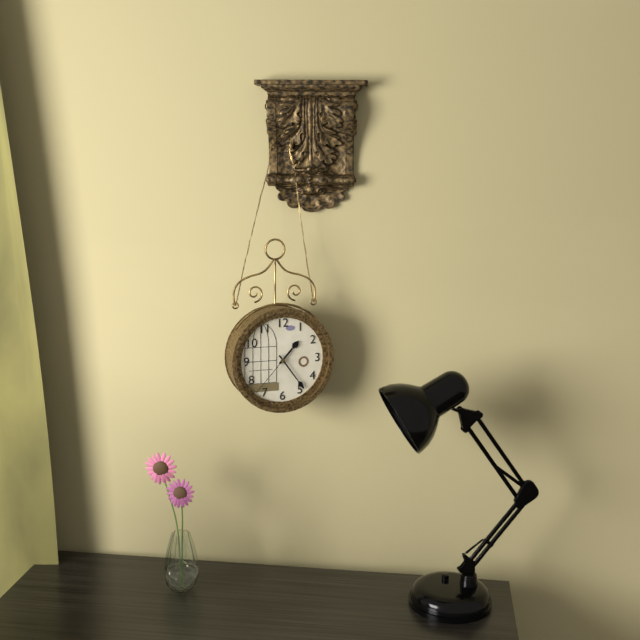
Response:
h=1 m=24 s=37
